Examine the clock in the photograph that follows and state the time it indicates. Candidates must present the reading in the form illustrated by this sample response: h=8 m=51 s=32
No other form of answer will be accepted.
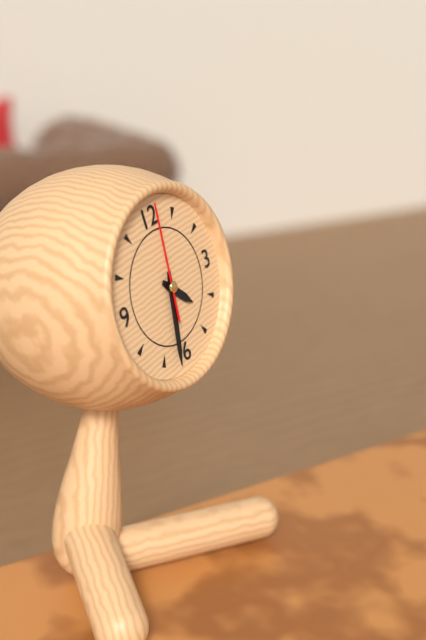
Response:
h=4 m=32 s=1
